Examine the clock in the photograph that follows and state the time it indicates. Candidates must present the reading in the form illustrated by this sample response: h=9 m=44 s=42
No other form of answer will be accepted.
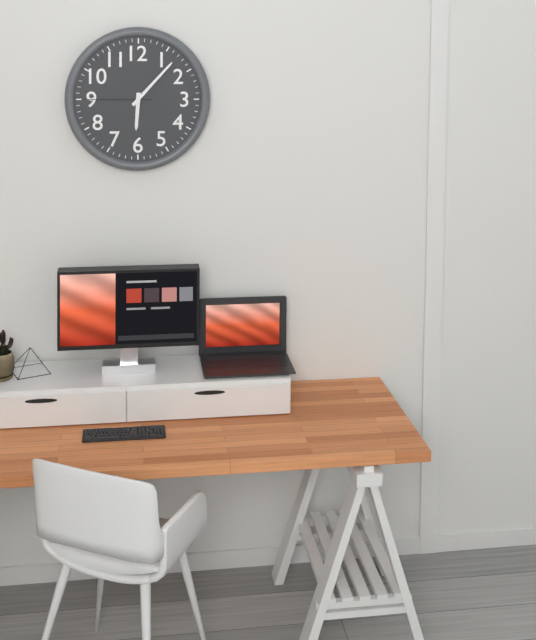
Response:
h=6 m=7 s=45
